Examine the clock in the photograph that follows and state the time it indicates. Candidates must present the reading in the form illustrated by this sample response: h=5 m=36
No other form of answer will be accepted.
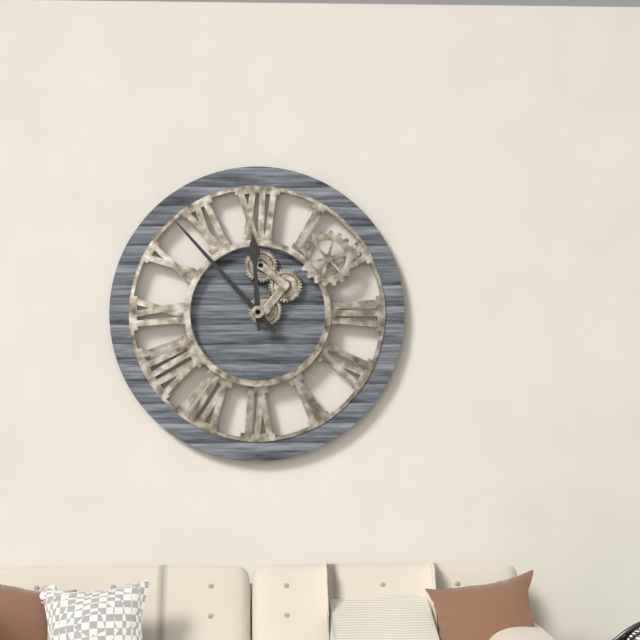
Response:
h=11 m=53
